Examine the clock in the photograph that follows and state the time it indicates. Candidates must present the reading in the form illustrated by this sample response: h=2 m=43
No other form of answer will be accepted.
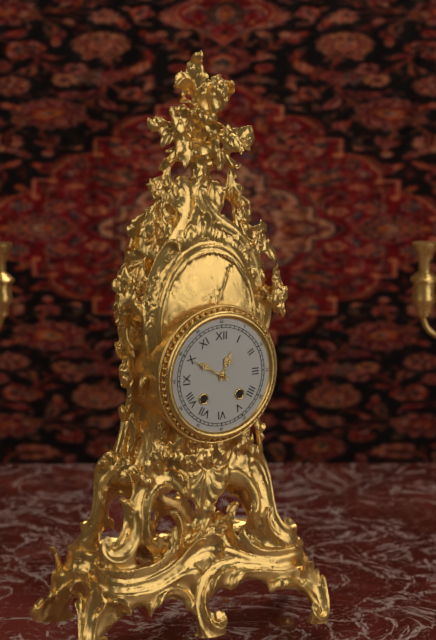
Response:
h=12 m=50
